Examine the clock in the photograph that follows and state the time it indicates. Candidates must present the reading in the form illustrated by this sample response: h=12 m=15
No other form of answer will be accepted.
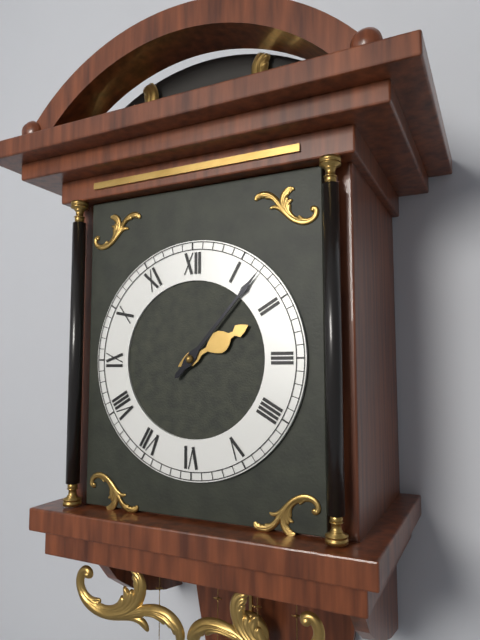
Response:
h=2 m=7
